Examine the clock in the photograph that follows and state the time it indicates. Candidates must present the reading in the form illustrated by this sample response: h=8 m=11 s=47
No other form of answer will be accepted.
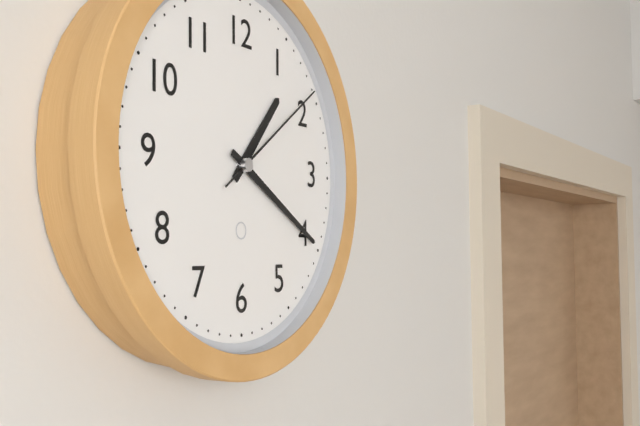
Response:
h=1 m=20 s=9
